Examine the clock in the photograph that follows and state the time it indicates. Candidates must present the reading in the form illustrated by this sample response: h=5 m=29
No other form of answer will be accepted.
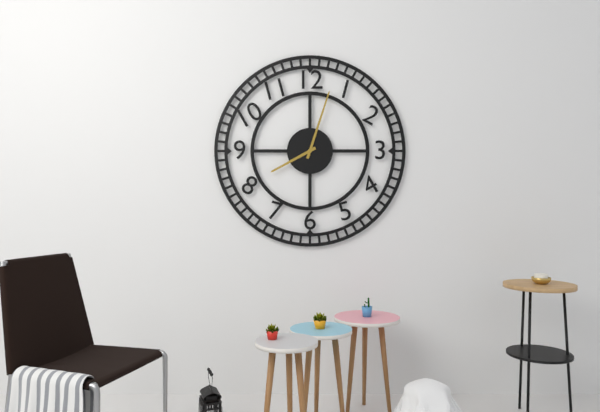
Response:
h=8 m=3
